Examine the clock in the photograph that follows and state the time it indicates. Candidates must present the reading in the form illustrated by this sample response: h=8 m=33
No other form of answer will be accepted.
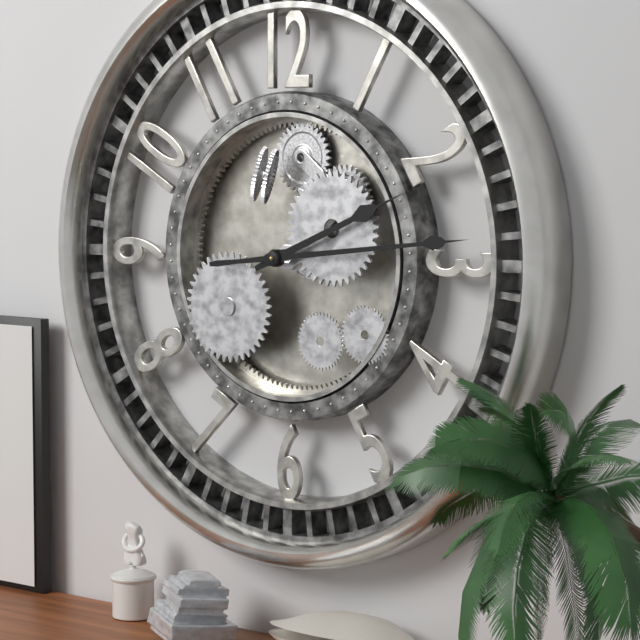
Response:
h=2 m=14
